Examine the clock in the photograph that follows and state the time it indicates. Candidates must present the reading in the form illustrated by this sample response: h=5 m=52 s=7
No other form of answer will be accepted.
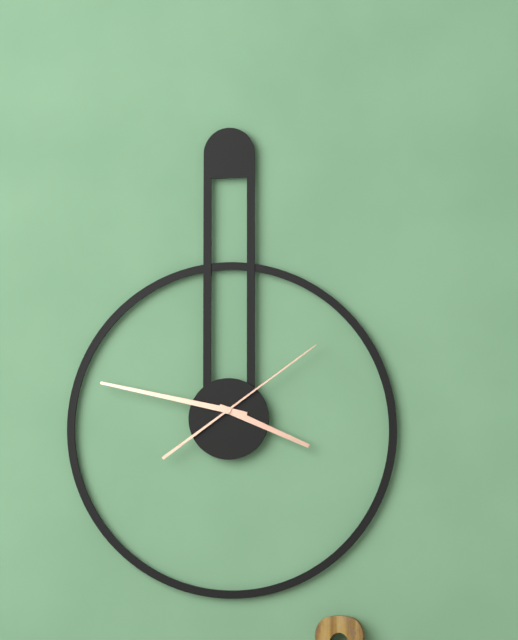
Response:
h=3 m=47 s=9
